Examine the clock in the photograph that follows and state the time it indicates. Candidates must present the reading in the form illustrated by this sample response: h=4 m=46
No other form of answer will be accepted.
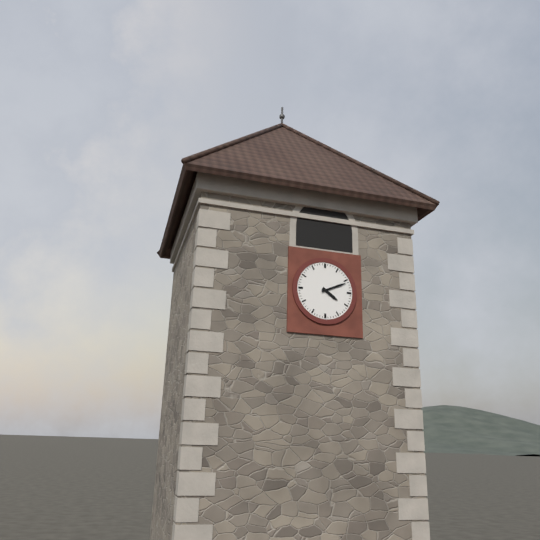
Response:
h=4 m=11
